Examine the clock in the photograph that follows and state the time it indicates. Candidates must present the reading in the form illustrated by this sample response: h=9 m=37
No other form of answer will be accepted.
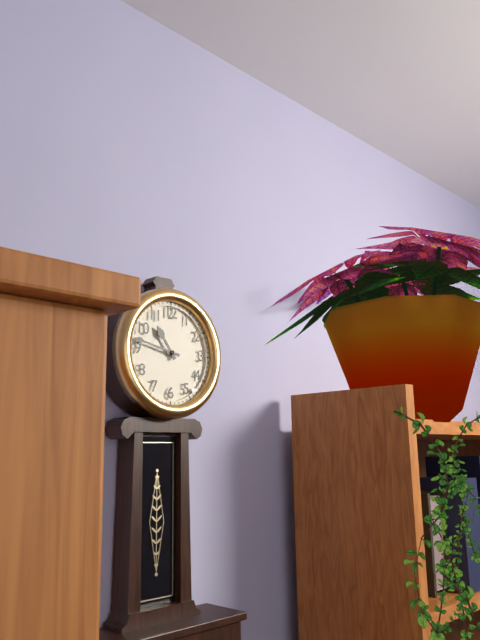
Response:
h=10 m=47
